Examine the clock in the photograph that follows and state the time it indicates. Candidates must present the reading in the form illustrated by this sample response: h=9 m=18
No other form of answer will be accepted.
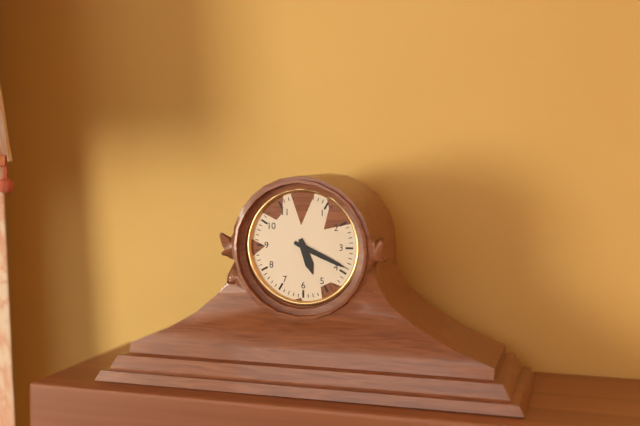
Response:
h=5 m=19
